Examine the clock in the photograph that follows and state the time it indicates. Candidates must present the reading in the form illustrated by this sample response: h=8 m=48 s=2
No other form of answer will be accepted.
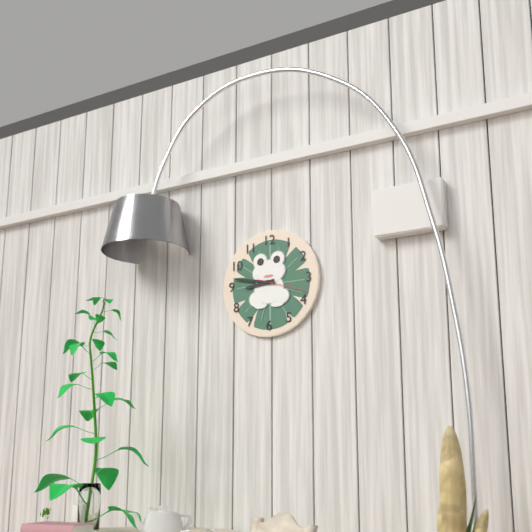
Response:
h=8 m=47 s=18
